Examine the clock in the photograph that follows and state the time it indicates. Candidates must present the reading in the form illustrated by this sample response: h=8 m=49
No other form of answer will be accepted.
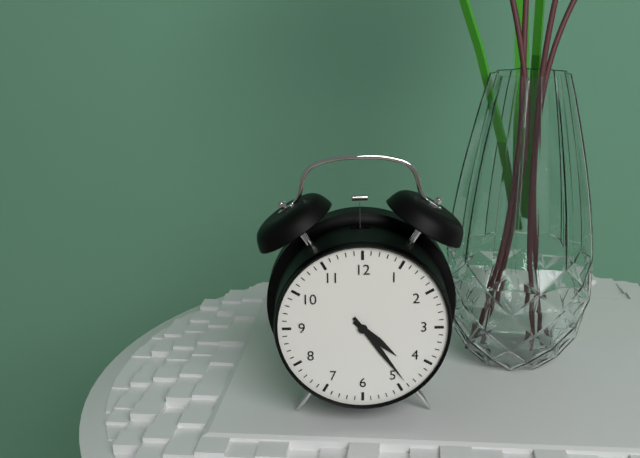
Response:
h=4 m=24
